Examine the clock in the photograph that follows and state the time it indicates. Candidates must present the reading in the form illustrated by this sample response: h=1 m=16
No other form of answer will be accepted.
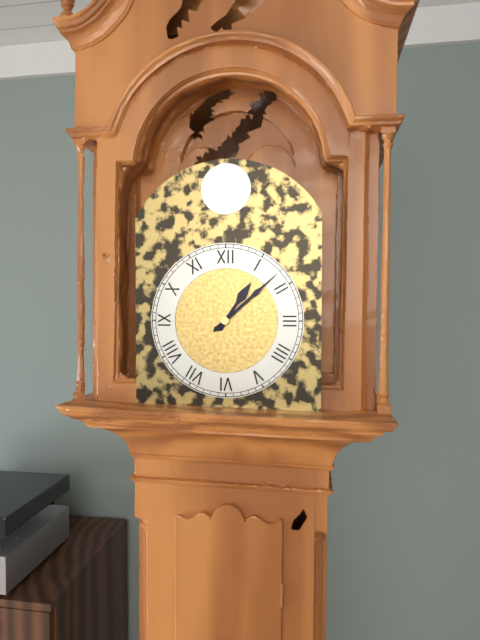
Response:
h=1 m=8
